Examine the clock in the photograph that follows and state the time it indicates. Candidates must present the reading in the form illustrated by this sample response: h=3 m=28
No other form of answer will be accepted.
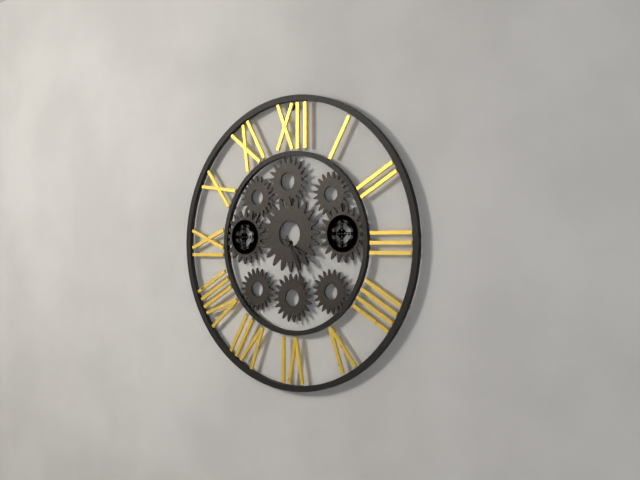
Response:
h=4 m=26
